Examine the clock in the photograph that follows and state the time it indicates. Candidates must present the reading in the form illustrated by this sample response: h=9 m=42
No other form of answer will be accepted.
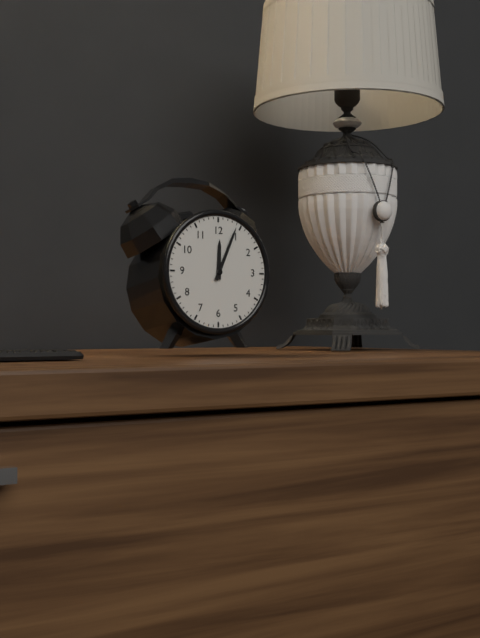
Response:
h=12 m=4
